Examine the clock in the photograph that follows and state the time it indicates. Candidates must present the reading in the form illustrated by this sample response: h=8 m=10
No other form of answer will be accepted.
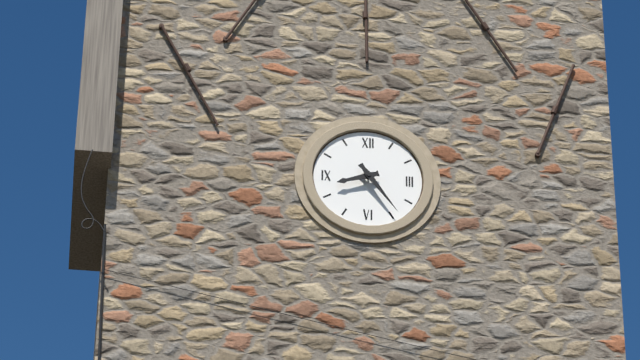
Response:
h=8 m=24
